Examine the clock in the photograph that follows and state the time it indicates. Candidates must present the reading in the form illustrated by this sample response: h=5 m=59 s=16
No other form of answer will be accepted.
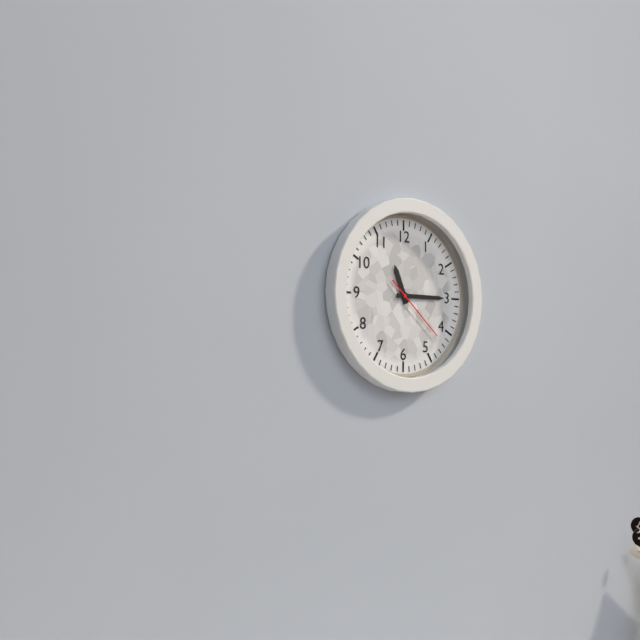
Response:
h=11 m=15 s=22
